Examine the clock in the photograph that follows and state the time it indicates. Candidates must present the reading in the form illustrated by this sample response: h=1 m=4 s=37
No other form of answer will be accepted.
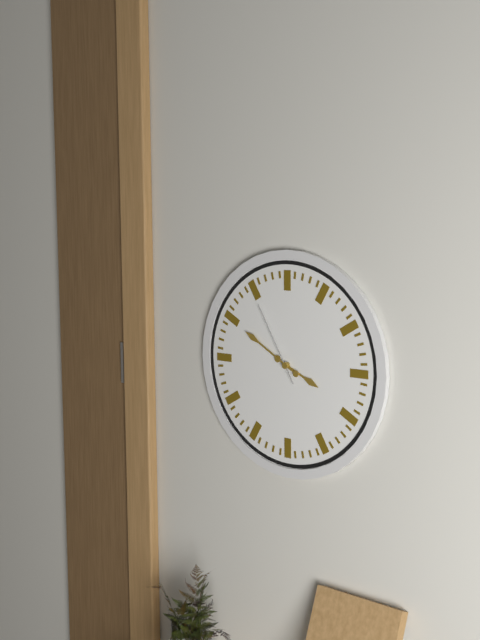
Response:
h=3 m=50 s=55
